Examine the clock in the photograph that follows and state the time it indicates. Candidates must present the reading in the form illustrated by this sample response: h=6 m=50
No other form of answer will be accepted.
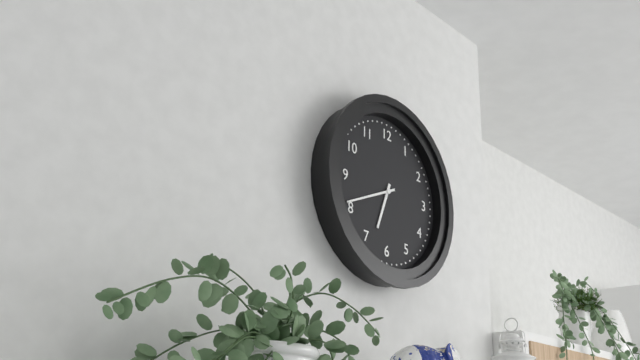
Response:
h=6 m=41
